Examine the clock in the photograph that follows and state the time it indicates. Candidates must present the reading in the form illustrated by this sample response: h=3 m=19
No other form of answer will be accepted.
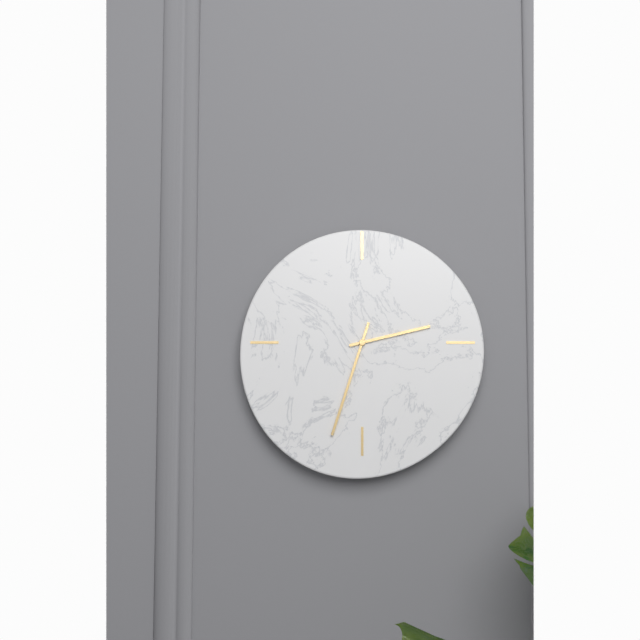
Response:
h=2 m=33
